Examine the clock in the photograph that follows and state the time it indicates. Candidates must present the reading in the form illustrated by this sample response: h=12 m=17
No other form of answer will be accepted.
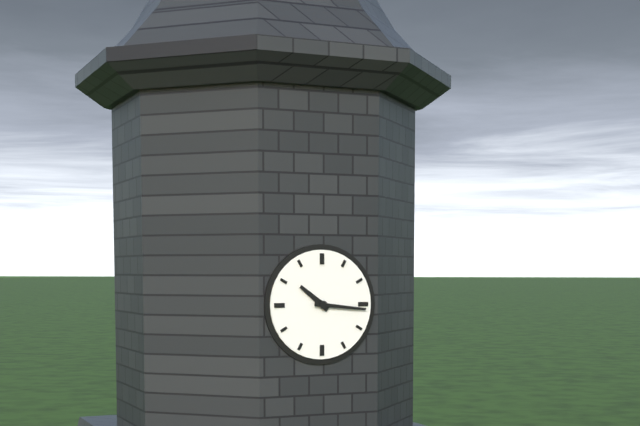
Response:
h=10 m=16
